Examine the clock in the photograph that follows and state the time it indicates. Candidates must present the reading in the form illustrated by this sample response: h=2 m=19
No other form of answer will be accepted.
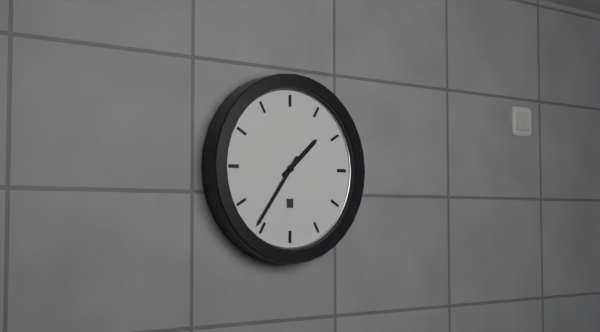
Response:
h=1 m=36
